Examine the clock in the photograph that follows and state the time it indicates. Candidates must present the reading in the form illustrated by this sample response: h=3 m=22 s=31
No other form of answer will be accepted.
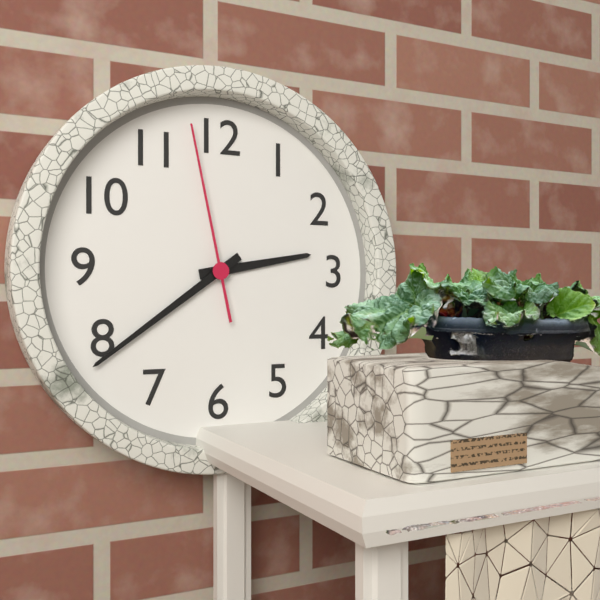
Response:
h=2 m=39 s=58
